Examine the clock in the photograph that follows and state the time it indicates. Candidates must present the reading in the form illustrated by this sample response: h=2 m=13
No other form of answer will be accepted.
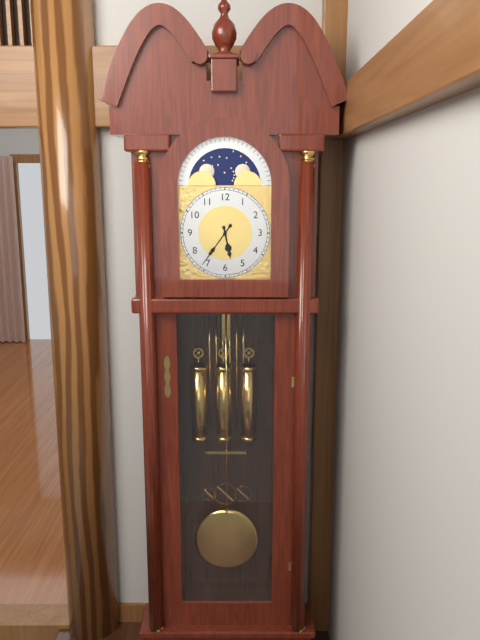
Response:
h=5 m=36
